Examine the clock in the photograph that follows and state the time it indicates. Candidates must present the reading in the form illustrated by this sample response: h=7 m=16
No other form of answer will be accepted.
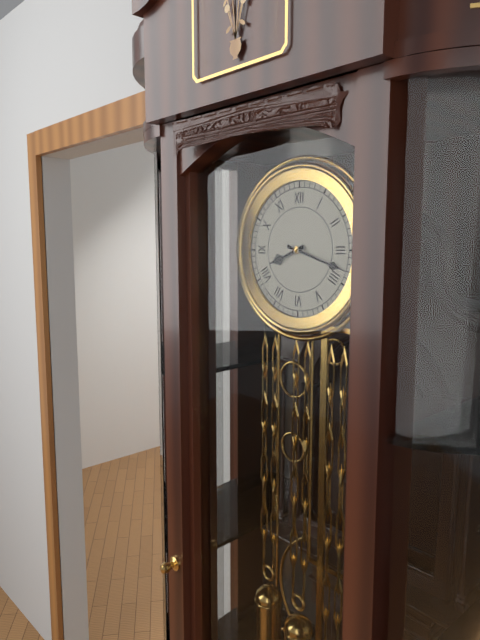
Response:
h=8 m=18
